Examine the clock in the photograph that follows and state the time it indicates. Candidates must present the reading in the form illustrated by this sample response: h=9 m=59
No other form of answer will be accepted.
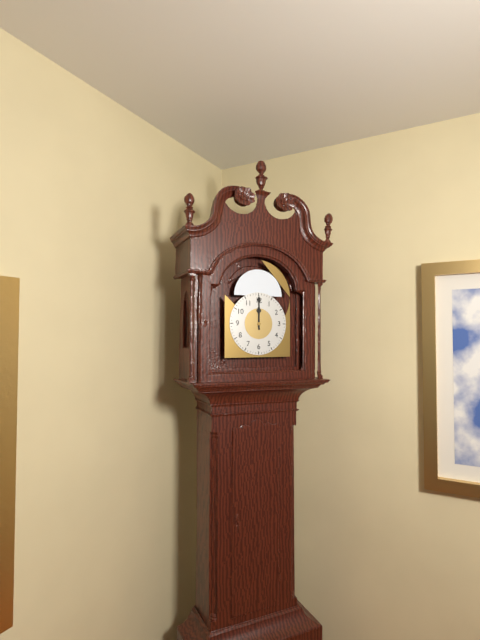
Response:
h=12 m=0
